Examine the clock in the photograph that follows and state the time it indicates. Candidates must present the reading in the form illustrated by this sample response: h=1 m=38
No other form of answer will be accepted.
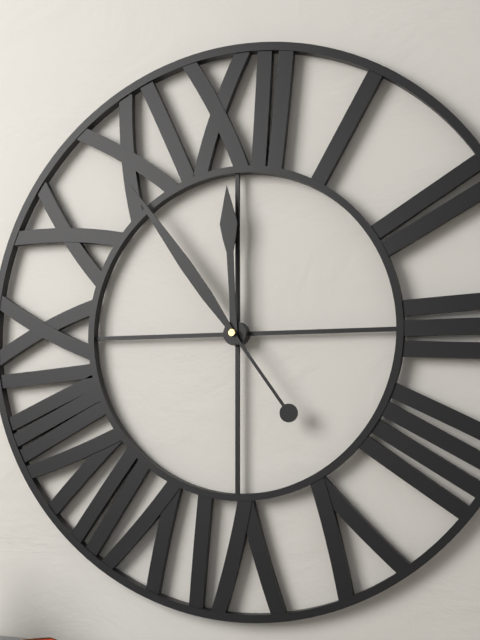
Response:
h=11 m=54
